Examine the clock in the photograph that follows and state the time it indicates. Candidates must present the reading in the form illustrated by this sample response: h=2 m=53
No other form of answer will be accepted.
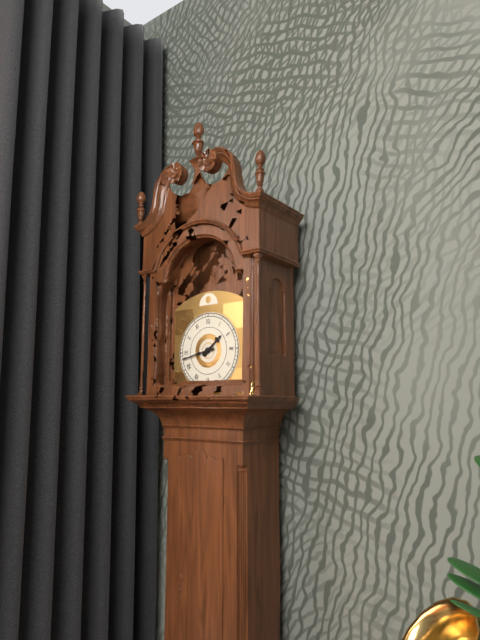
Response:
h=1 m=43
